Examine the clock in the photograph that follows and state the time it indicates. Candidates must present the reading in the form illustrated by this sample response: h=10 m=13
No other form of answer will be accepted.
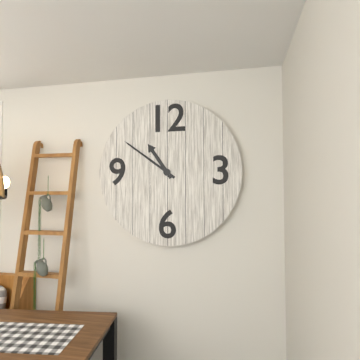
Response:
h=10 m=51
